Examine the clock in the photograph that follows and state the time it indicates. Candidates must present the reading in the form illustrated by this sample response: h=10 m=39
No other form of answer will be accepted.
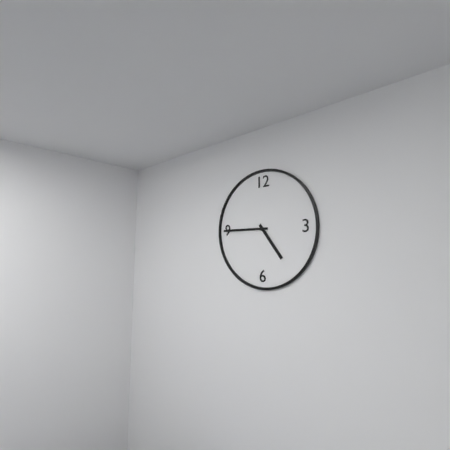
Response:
h=4 m=45
